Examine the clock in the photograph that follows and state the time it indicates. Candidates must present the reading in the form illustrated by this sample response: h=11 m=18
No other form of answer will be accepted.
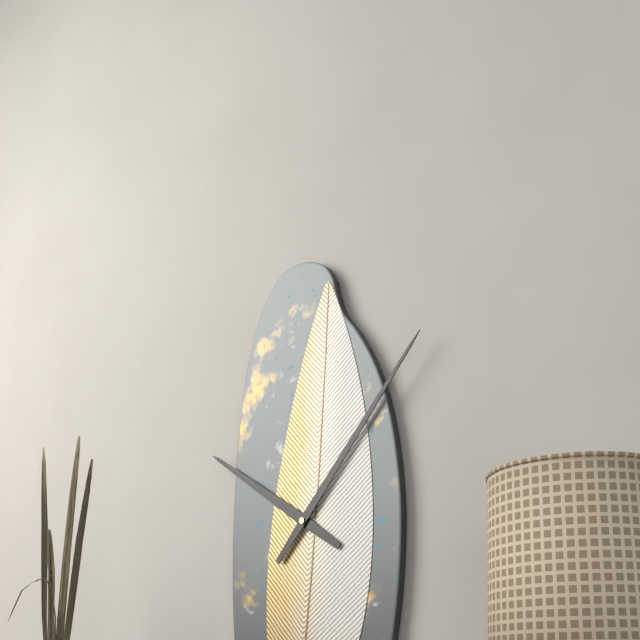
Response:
h=10 m=7
